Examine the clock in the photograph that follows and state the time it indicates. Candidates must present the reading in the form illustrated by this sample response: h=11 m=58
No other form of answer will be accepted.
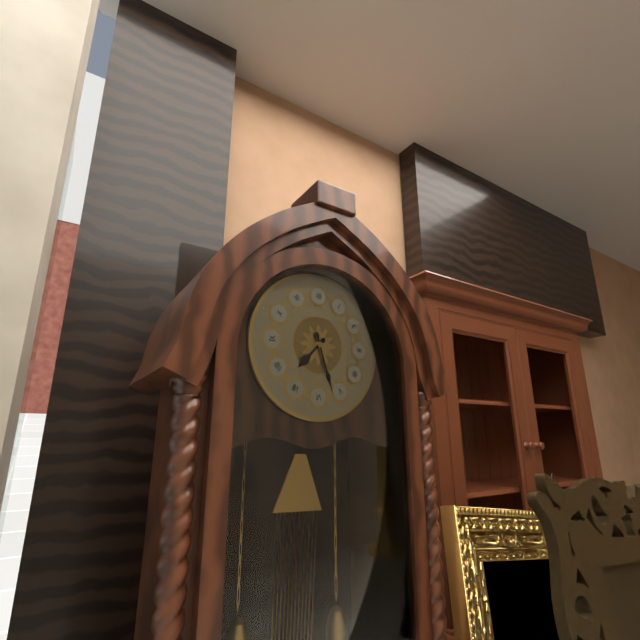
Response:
h=7 m=27
